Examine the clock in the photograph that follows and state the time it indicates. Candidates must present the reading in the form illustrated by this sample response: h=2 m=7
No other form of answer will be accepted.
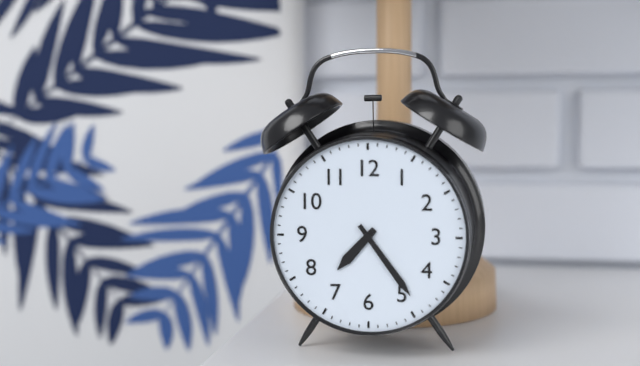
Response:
h=7 m=24
